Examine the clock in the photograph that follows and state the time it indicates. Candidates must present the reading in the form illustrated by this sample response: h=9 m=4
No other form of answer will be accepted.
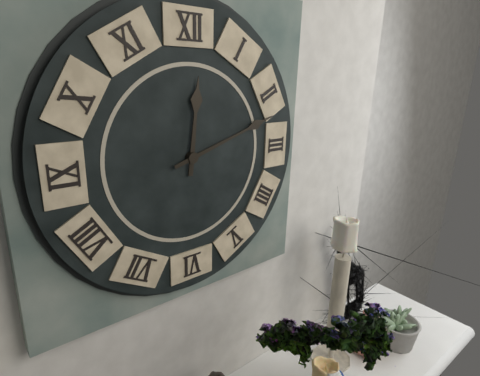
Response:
h=12 m=12
